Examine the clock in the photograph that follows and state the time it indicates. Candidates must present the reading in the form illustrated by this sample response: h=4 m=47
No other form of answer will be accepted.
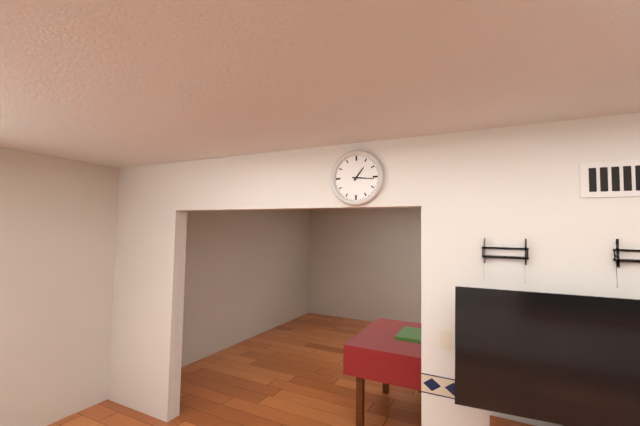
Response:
h=1 m=16
